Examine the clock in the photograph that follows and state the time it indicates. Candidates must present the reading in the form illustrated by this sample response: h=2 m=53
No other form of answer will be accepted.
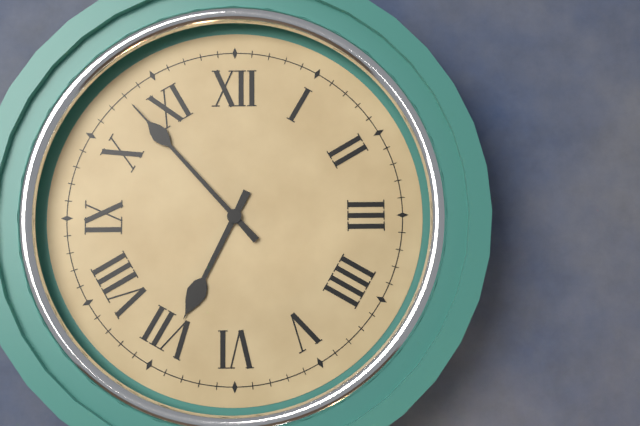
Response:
h=6 m=53
